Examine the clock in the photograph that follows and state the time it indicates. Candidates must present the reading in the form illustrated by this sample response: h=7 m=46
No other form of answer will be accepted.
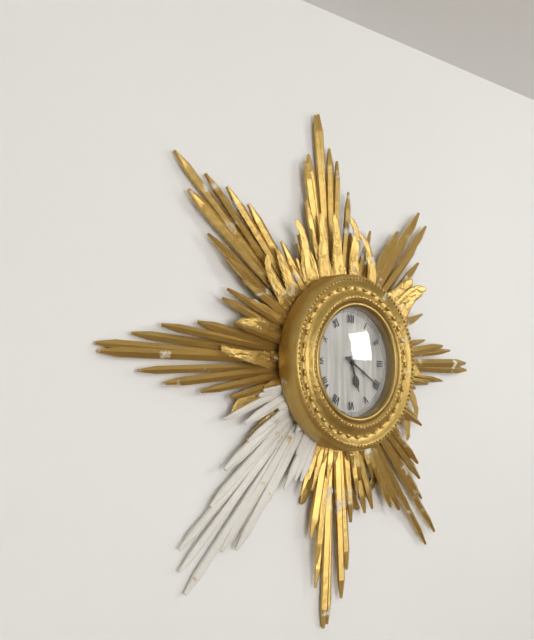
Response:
h=5 m=20
